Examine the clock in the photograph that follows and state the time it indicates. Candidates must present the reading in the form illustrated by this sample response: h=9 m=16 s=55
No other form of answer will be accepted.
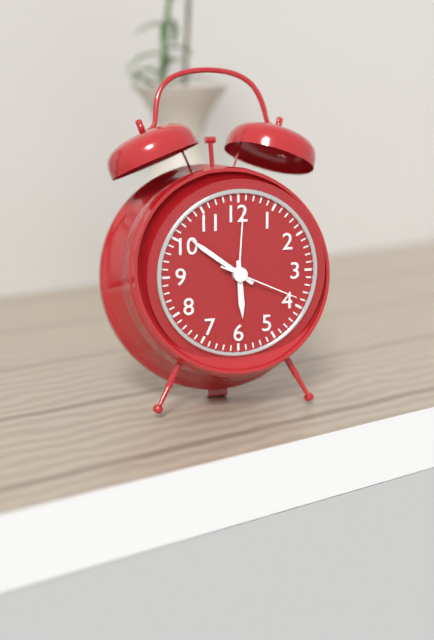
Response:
h=5 m=51 s=19
